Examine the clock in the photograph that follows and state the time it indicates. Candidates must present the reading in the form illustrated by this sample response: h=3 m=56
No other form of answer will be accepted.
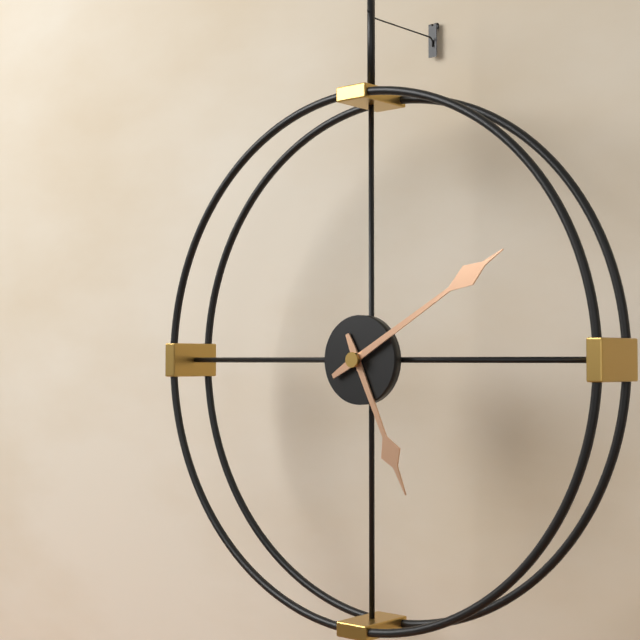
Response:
h=5 m=10
